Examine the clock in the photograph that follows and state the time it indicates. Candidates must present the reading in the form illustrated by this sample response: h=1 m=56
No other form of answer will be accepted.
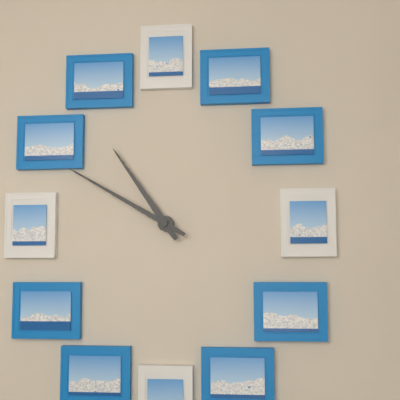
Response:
h=10 m=50
